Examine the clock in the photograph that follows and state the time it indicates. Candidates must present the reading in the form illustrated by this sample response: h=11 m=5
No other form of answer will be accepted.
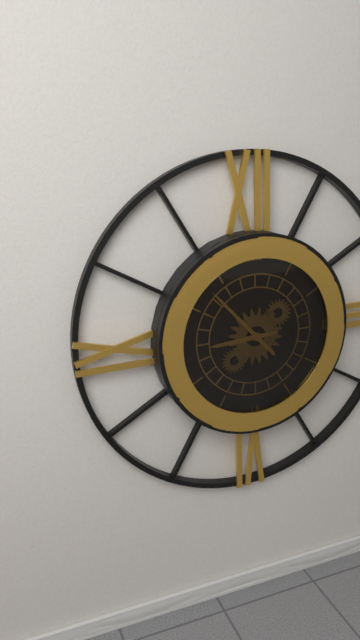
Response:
h=8 m=53
